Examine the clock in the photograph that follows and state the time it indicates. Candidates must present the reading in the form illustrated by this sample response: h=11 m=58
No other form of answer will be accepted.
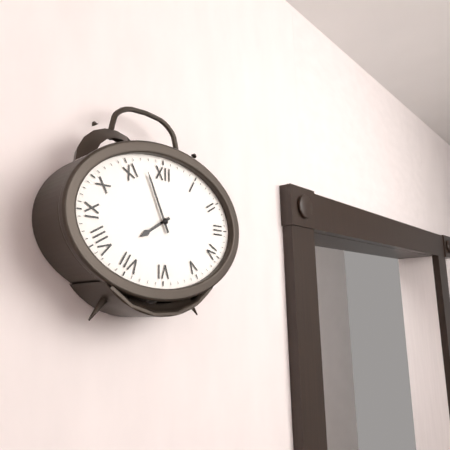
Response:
h=7 m=56
